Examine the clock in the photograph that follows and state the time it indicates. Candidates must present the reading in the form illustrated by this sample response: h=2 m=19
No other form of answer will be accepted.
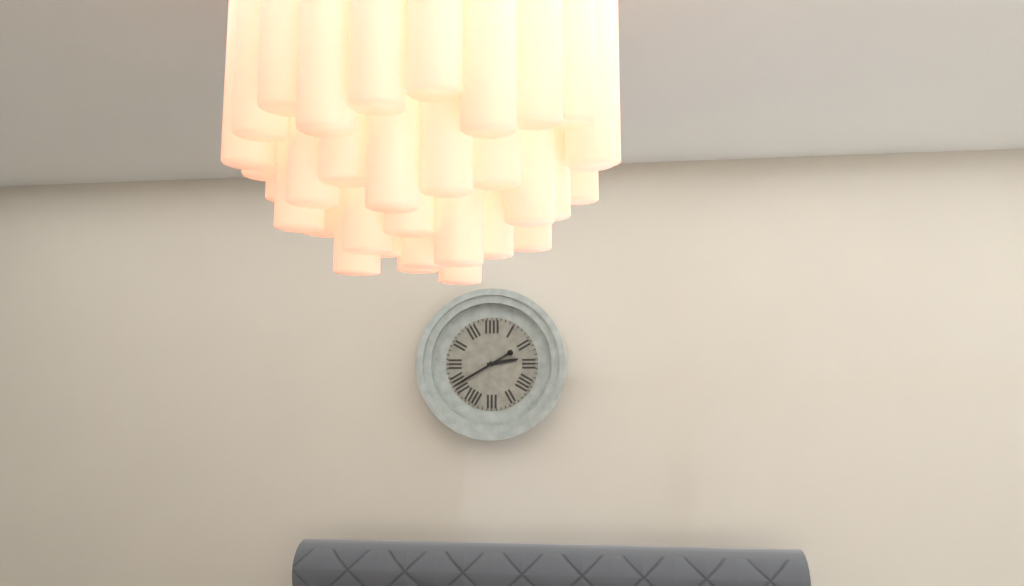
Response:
h=2 m=40
